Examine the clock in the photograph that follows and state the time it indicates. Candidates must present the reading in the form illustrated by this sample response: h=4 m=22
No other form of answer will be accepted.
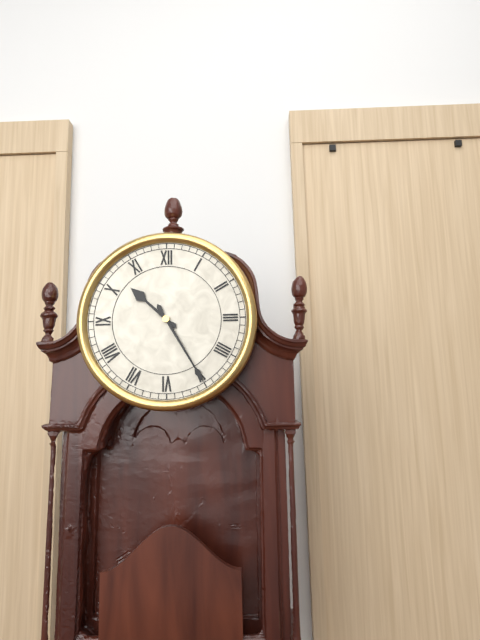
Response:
h=10 m=25
